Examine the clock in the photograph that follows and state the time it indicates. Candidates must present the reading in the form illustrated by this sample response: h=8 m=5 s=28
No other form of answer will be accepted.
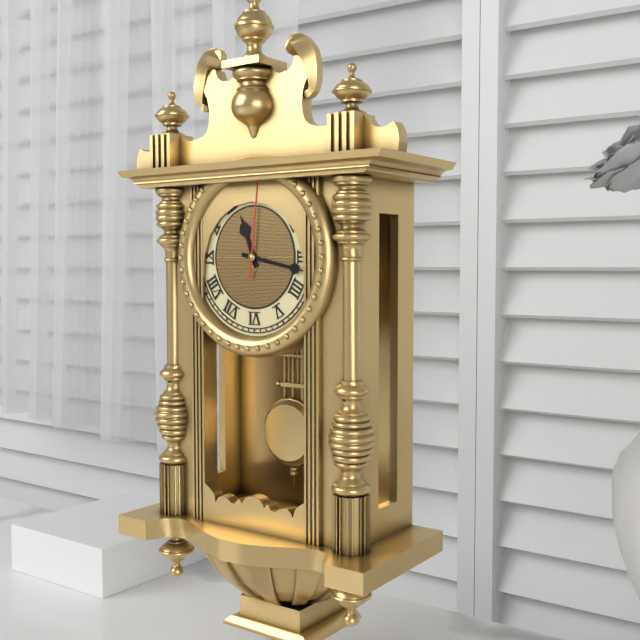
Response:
h=11 m=17 s=1
